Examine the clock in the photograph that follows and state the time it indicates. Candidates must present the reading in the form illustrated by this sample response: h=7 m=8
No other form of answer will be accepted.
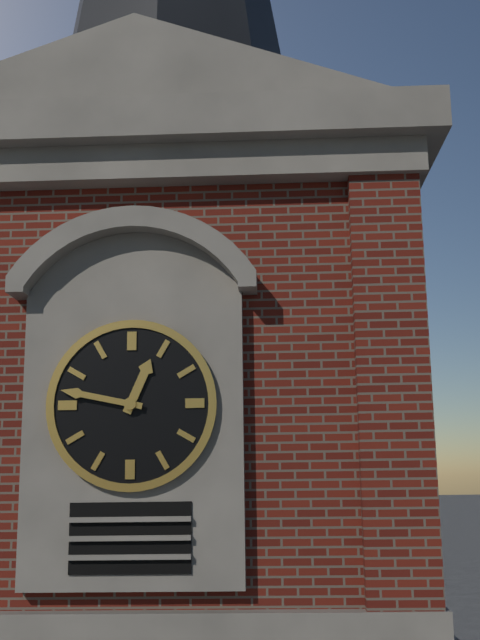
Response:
h=12 m=47
